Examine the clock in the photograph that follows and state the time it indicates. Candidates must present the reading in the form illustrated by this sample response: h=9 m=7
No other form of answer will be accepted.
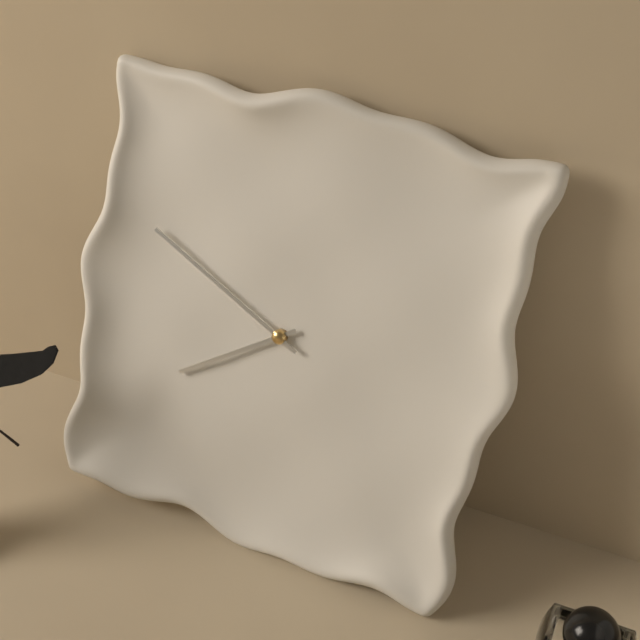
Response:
h=7 m=49
